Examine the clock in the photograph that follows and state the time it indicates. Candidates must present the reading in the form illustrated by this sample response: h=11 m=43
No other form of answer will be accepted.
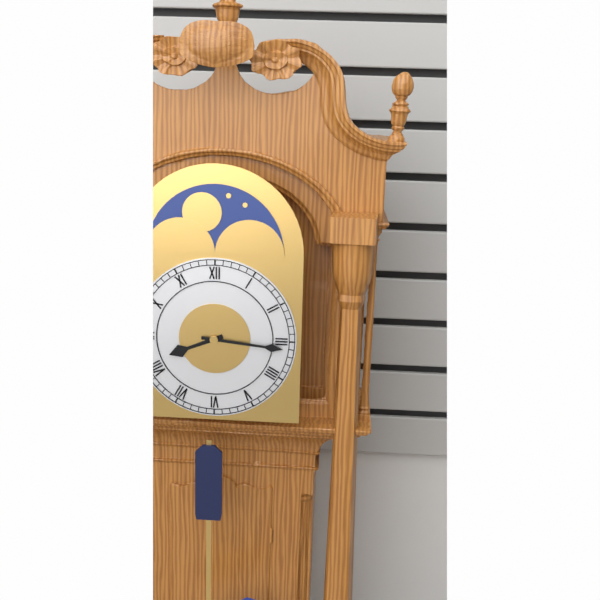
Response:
h=8 m=16
